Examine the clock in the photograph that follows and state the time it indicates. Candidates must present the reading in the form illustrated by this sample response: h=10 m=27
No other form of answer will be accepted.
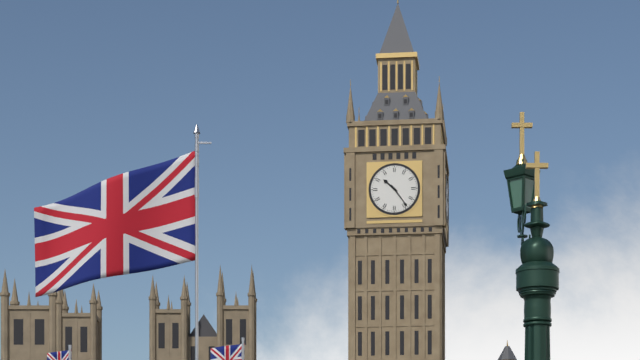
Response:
h=10 m=24
